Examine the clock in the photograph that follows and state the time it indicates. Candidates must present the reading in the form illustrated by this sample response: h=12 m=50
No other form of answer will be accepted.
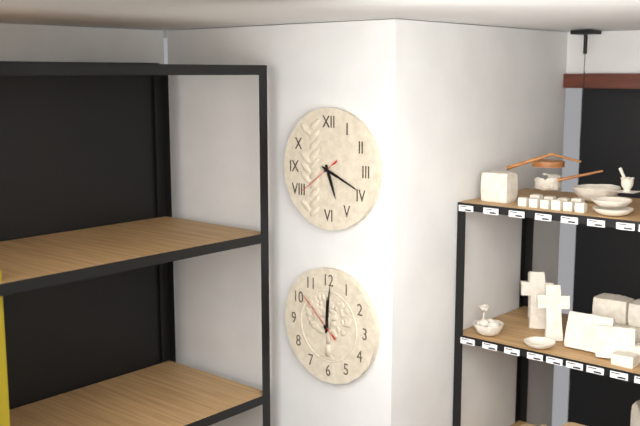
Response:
h=5 m=19
